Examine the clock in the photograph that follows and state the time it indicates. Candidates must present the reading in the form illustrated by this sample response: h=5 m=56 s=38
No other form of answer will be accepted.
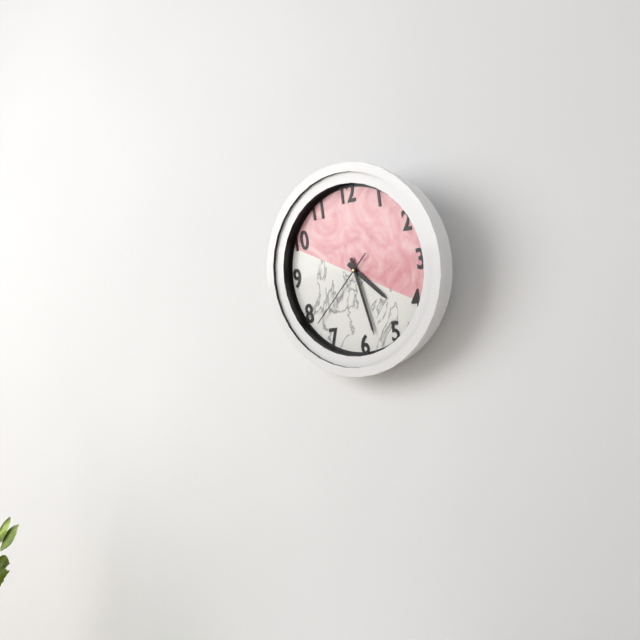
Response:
h=4 m=28 s=38
